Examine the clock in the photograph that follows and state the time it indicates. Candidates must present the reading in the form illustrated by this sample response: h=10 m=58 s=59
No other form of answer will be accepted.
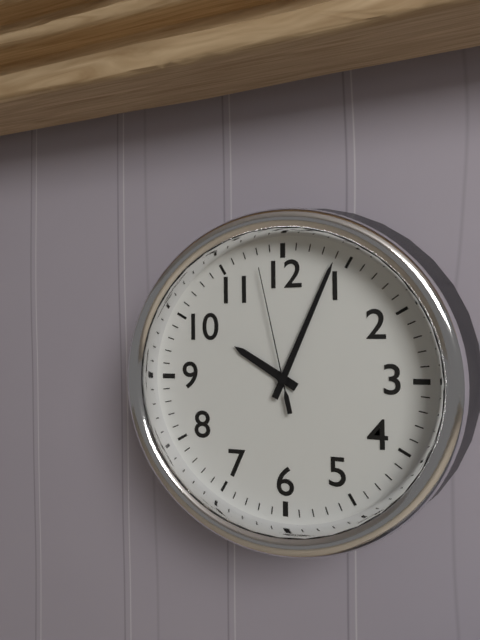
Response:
h=10 m=4 s=58
